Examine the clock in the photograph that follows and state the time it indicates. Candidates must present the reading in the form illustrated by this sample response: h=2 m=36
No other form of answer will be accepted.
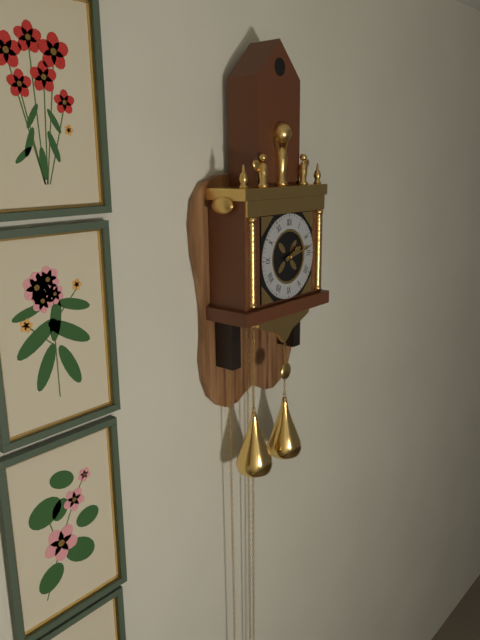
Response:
h=2 m=13
